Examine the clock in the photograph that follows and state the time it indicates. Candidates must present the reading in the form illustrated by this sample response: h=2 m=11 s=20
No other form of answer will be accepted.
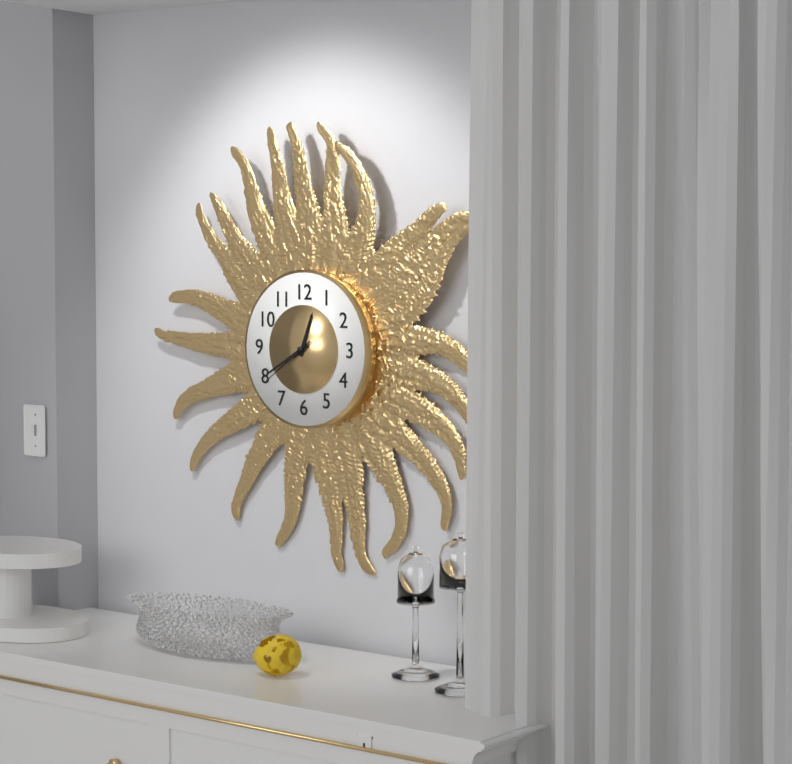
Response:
h=12 m=40 s=39
